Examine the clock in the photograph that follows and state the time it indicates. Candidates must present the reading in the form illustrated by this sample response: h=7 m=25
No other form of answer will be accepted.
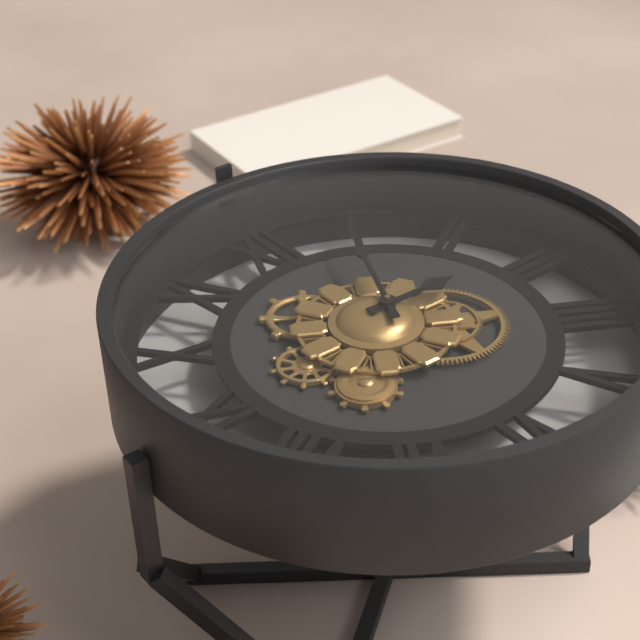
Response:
h=3 m=4
